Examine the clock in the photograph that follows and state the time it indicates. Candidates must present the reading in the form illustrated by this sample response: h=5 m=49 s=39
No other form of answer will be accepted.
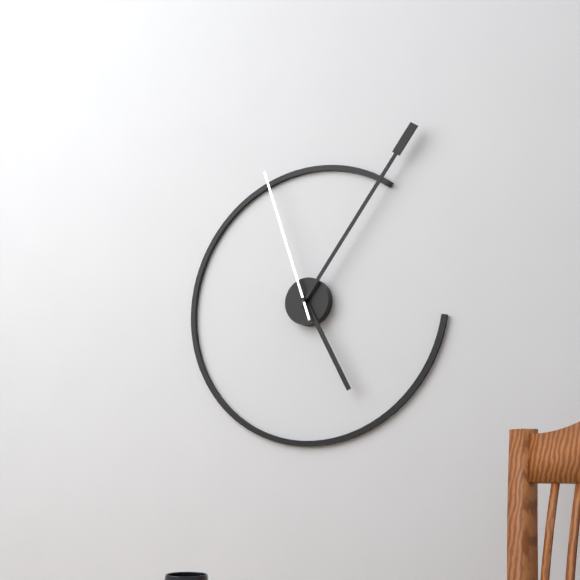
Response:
h=5 m=6 s=57
